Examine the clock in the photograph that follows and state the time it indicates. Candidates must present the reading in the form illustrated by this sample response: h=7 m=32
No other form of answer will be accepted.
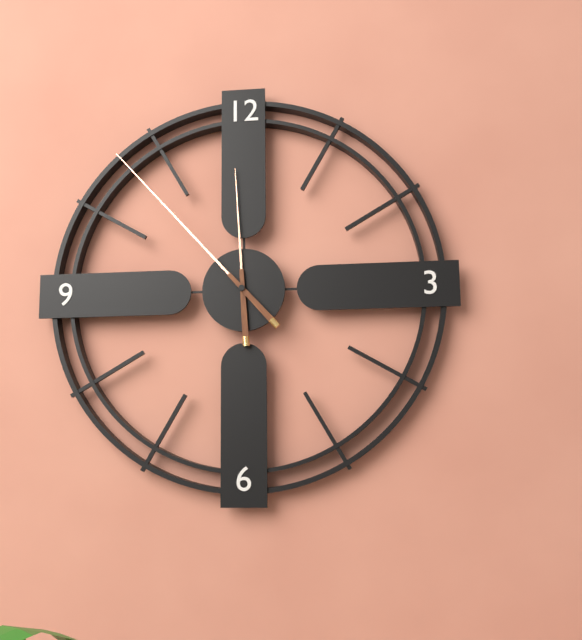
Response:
h=11 m=53
